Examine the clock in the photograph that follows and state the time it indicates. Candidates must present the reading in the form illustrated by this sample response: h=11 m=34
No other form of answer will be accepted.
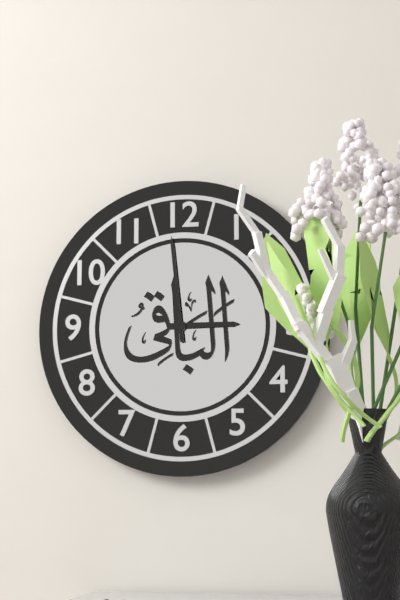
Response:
h=2 m=59
